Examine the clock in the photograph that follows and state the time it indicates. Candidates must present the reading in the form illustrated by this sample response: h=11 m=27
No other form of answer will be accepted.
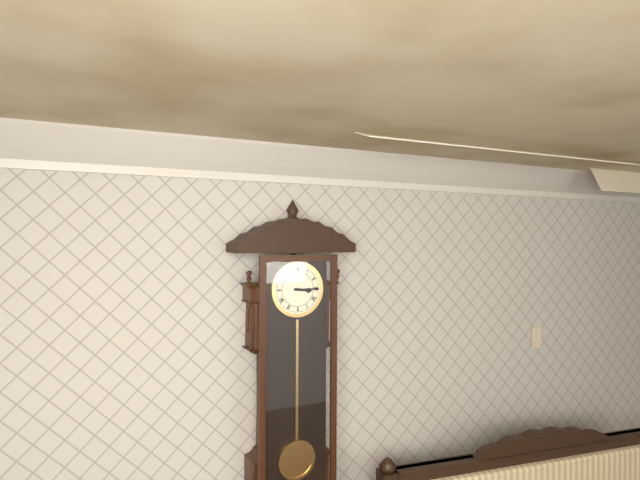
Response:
h=3 m=15
